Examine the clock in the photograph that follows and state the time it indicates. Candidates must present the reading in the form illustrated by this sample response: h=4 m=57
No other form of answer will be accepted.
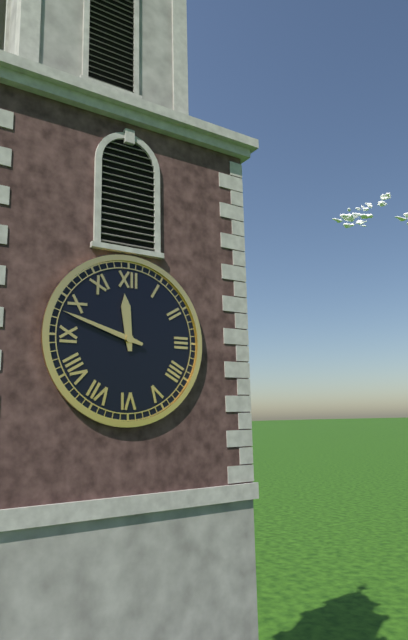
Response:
h=11 m=48
